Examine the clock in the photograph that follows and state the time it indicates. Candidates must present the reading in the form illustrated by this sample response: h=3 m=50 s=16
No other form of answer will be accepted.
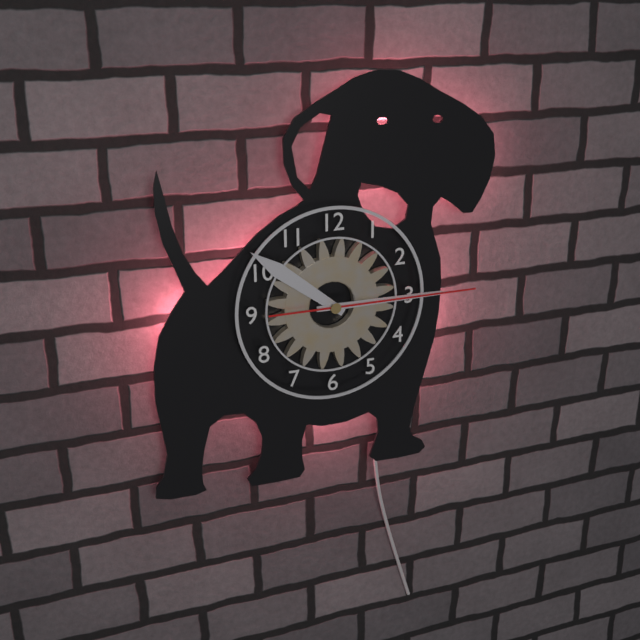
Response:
h=10 m=15 s=15
